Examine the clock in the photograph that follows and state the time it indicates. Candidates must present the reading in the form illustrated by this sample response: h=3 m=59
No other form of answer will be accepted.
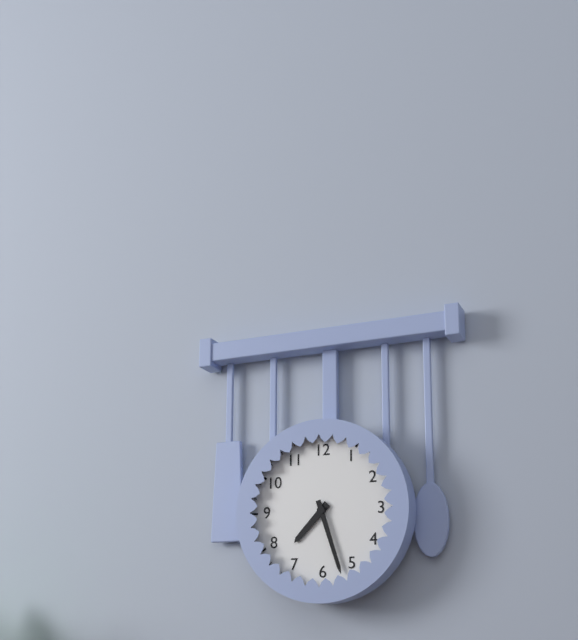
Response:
h=7 m=27
